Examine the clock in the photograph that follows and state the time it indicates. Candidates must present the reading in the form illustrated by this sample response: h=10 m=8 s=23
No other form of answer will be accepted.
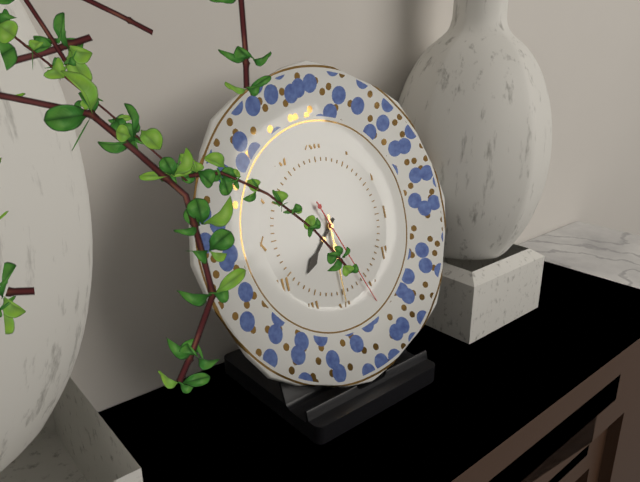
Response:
h=7 m=30 s=26
